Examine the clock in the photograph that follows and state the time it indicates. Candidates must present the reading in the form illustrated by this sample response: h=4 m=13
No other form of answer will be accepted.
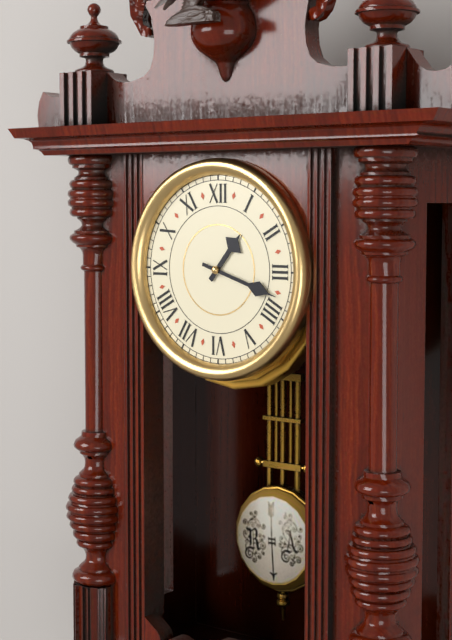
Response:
h=1 m=18
